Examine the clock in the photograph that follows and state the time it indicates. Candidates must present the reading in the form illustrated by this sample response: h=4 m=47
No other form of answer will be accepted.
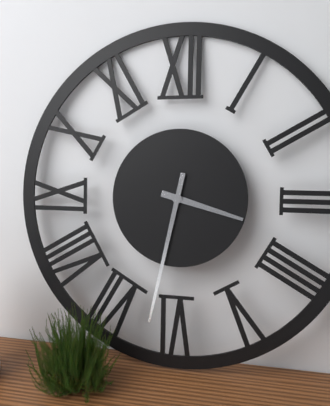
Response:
h=3 m=32
